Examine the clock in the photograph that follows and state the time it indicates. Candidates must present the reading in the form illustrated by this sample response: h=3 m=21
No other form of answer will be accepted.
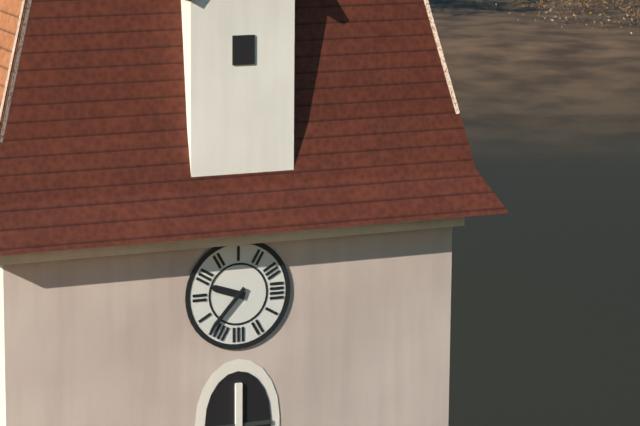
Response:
h=9 m=37
